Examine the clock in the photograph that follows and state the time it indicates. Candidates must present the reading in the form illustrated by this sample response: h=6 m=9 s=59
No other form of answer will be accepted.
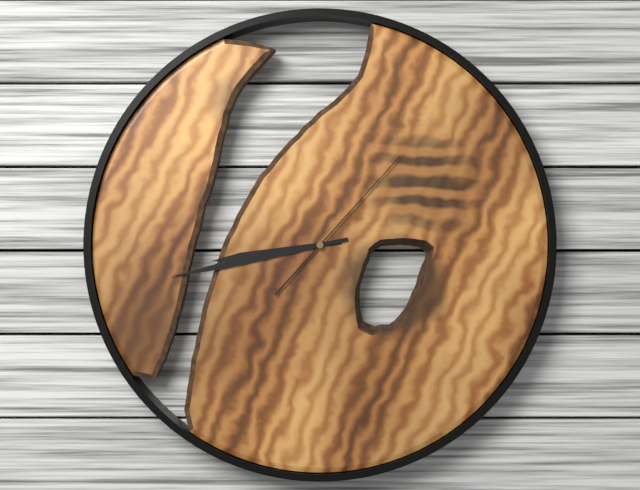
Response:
h=8 m=43 s=7
